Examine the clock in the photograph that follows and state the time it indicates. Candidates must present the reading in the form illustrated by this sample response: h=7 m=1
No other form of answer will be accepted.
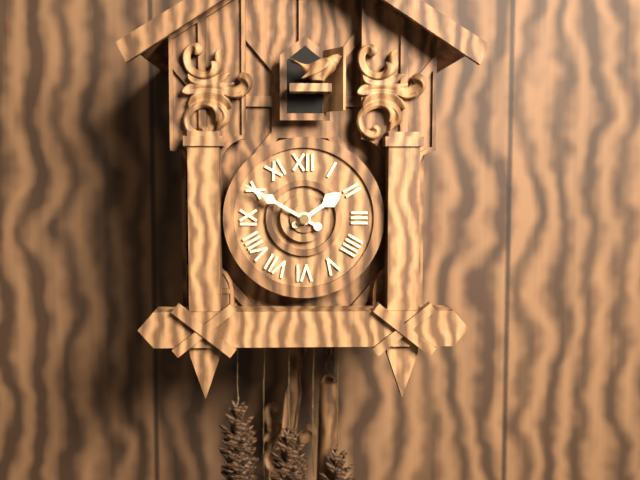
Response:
h=1 m=50
